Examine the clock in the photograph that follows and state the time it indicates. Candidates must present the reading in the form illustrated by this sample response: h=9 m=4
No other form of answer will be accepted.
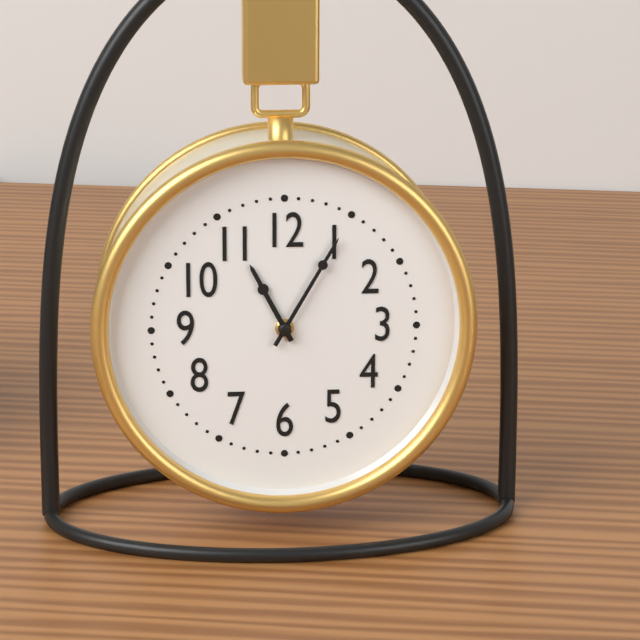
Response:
h=11 m=5
